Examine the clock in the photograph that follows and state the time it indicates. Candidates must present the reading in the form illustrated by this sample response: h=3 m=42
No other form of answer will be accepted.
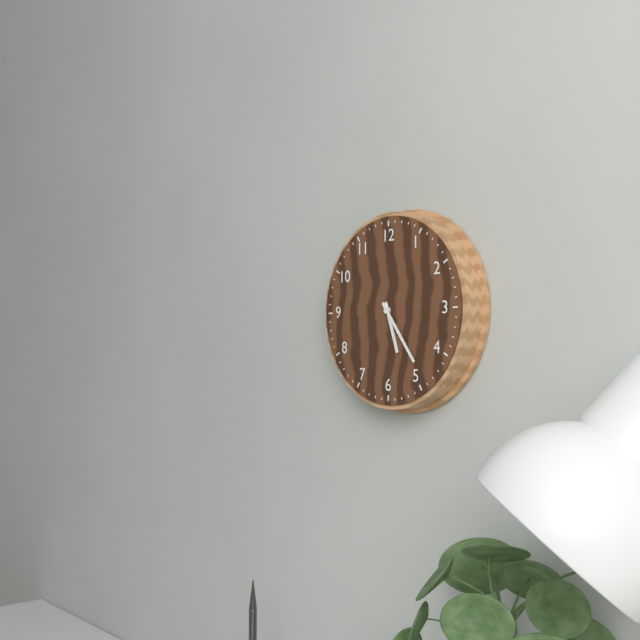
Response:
h=5 m=24
